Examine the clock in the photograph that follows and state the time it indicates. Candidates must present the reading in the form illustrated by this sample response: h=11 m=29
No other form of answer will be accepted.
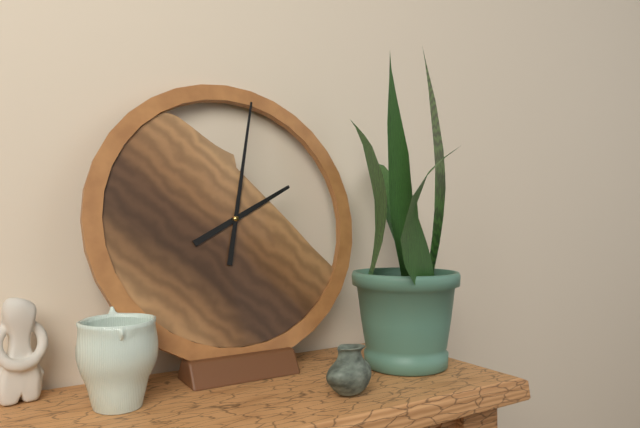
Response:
h=2 m=2
